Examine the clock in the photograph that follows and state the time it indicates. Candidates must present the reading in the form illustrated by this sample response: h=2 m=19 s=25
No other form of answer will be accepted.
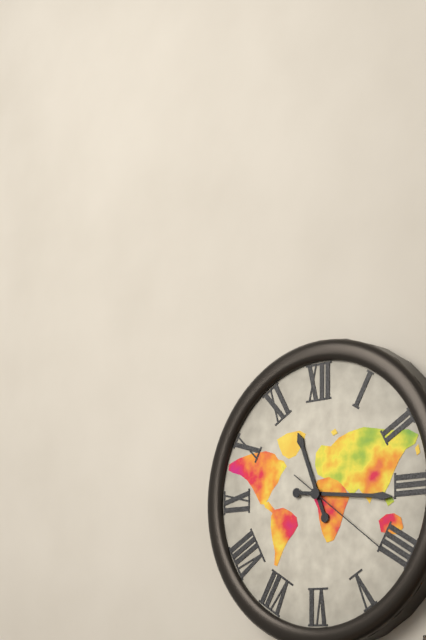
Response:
h=11 m=16 s=21
